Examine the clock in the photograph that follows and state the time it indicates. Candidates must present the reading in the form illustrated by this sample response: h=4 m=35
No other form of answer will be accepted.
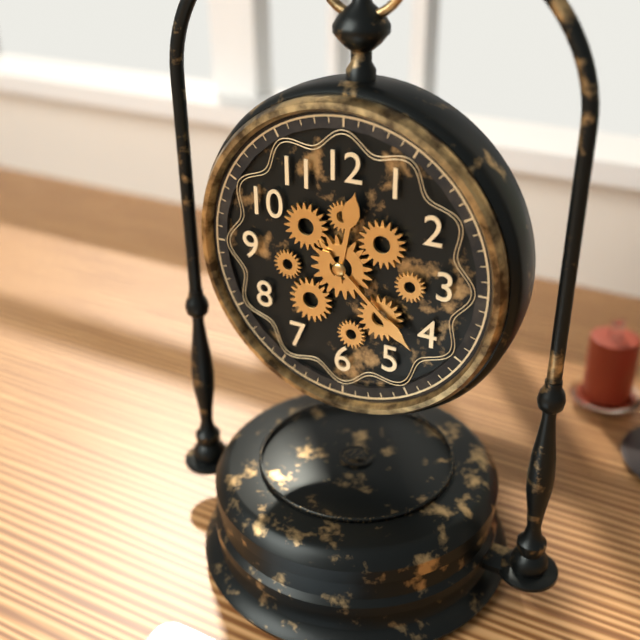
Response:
h=12 m=22
